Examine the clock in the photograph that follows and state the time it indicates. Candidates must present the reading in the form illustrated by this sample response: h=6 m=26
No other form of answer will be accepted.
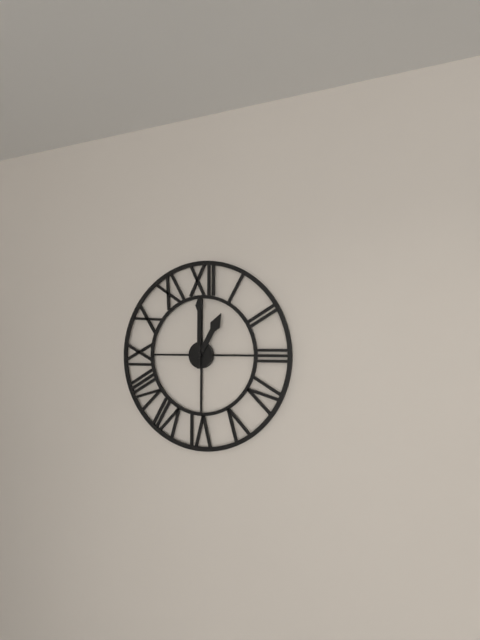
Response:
h=1 m=0
